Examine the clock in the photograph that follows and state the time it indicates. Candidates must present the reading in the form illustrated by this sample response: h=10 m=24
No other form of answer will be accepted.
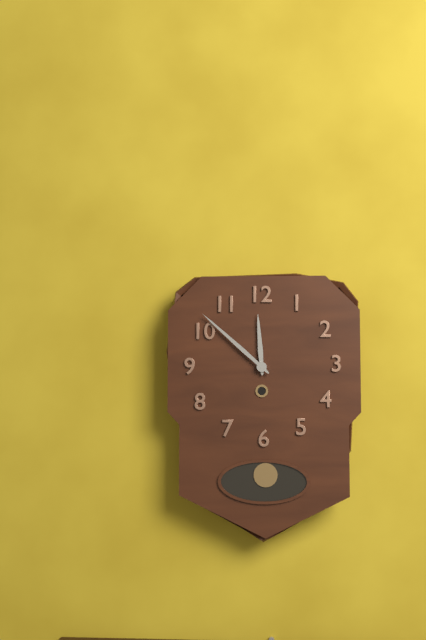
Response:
h=11 m=52
